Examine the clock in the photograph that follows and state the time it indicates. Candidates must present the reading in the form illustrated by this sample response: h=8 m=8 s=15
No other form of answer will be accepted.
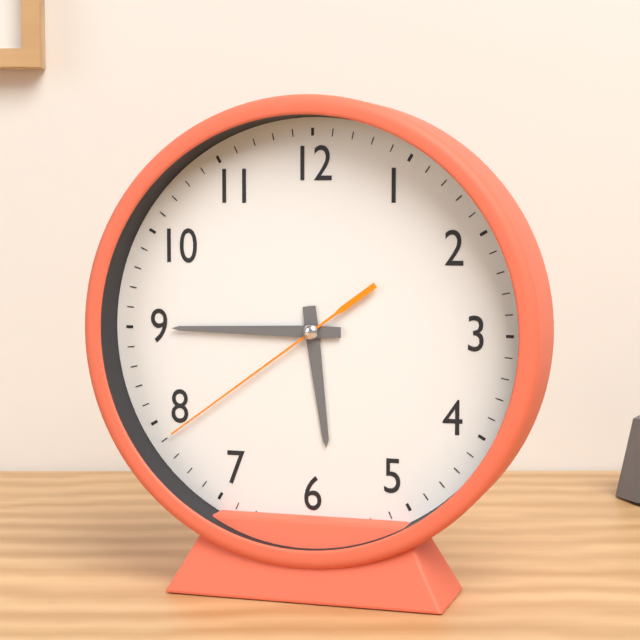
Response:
h=5 m=45 s=39
